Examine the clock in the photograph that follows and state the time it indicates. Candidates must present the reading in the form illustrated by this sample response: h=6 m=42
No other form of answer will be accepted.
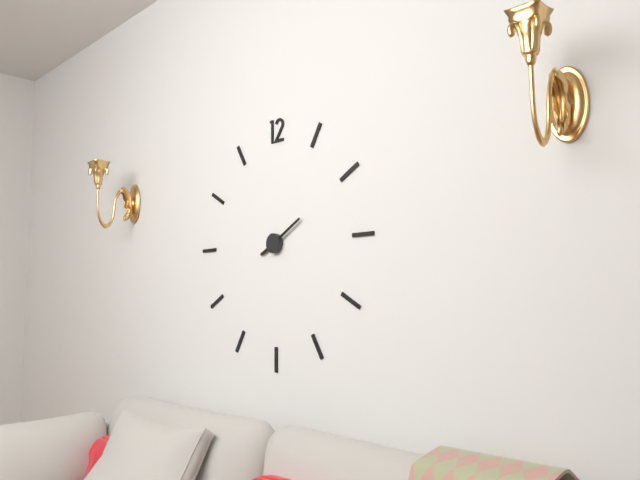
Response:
h=8 m=10
